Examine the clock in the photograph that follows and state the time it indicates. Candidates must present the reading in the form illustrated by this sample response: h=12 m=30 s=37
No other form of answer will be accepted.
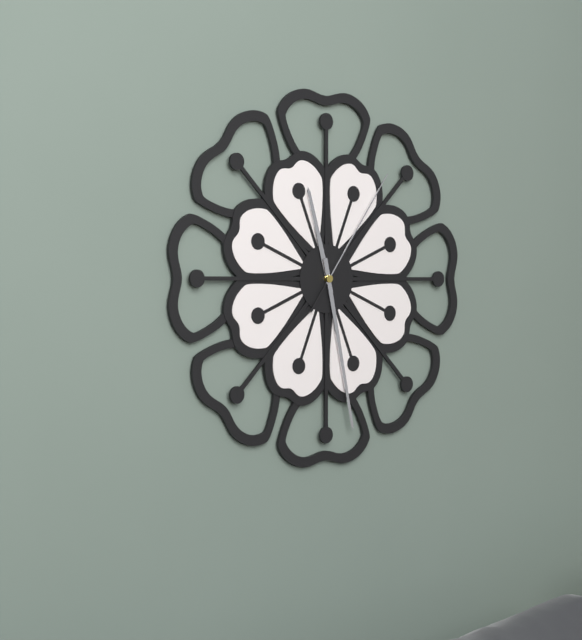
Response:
h=11 m=28 s=6
